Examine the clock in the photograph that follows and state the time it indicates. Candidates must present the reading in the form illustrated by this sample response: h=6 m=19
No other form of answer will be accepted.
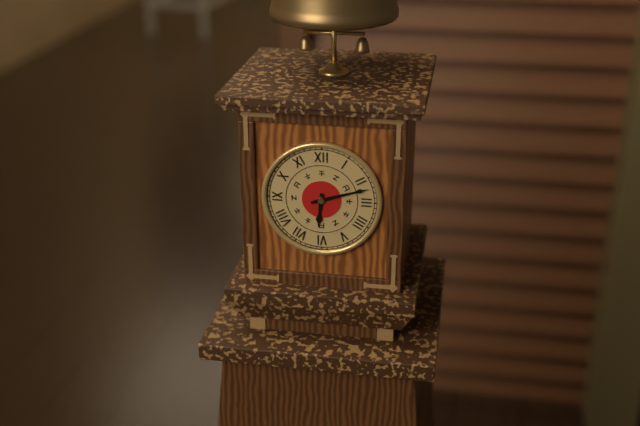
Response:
h=6 m=12
